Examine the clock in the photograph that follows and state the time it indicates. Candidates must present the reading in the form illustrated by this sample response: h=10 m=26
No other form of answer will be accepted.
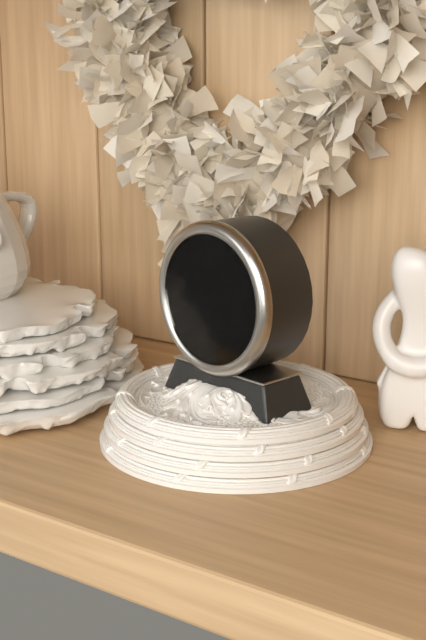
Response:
h=3 m=8
